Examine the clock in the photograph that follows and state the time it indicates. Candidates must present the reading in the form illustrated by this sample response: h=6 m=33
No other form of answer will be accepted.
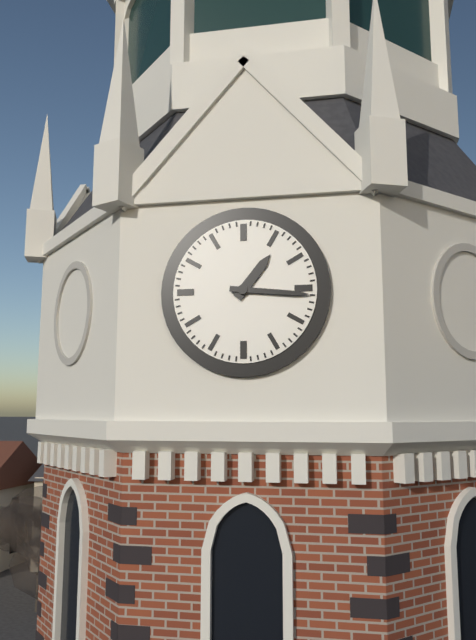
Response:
h=1 m=16
